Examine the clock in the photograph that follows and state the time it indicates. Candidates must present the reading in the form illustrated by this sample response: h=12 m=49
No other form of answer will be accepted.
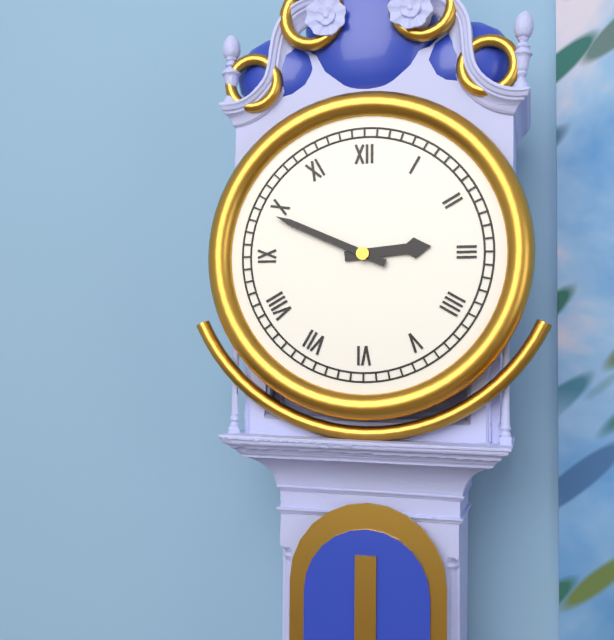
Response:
h=2 m=49
